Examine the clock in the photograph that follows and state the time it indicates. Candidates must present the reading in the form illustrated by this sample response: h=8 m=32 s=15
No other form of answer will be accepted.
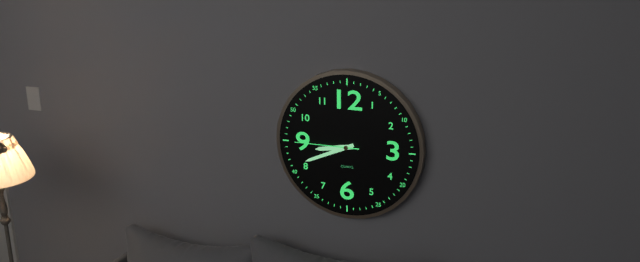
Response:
h=8 m=41 s=45
